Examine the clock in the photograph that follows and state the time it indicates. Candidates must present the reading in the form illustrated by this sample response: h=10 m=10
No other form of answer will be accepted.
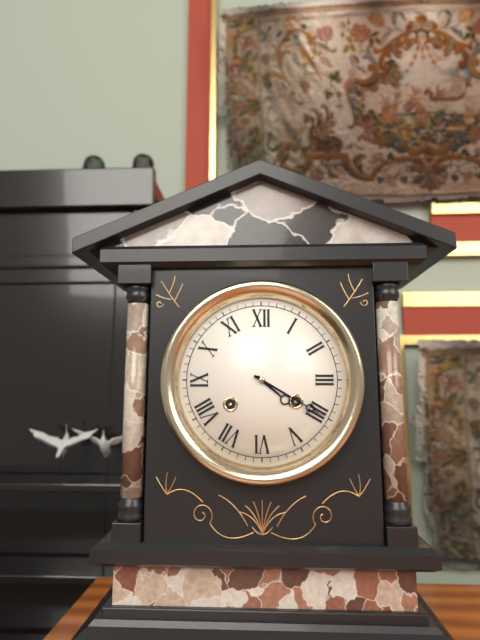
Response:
h=4 m=20
